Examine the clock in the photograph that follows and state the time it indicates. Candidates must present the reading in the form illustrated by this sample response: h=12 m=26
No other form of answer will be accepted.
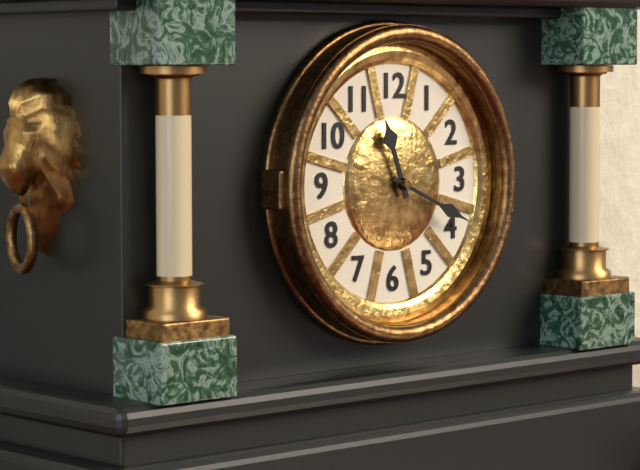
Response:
h=11 m=19
